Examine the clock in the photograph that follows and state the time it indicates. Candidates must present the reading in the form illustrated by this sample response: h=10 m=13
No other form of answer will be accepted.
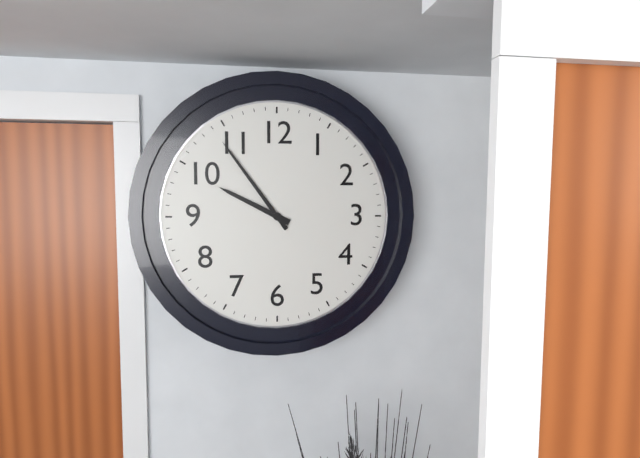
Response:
h=9 m=54
